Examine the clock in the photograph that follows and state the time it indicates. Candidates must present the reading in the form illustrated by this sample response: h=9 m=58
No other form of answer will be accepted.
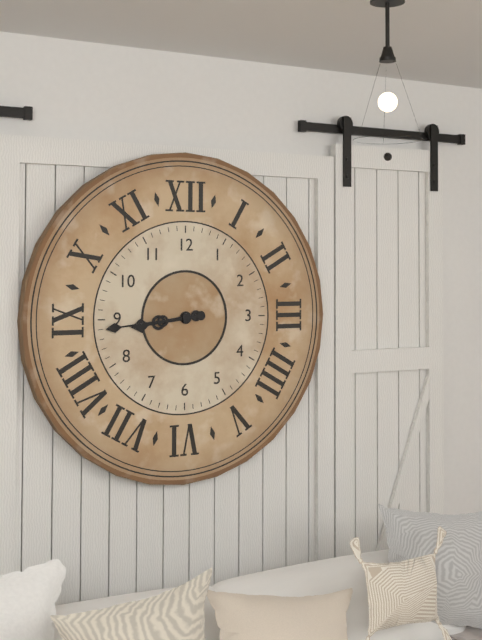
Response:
h=8 m=44
